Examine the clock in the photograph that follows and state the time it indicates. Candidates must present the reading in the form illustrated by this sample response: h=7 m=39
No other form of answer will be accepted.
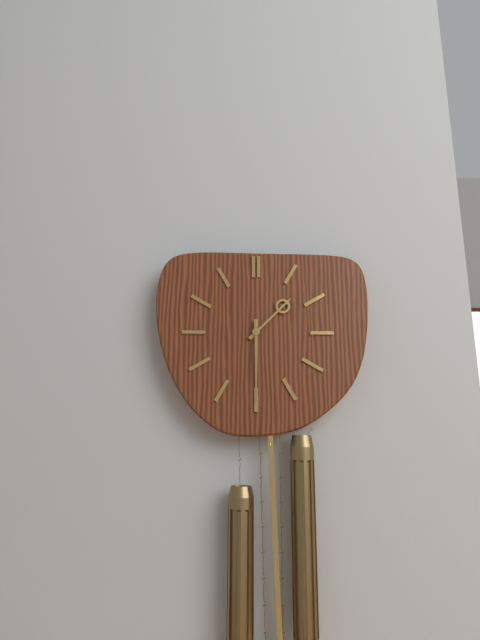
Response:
h=1 m=30
